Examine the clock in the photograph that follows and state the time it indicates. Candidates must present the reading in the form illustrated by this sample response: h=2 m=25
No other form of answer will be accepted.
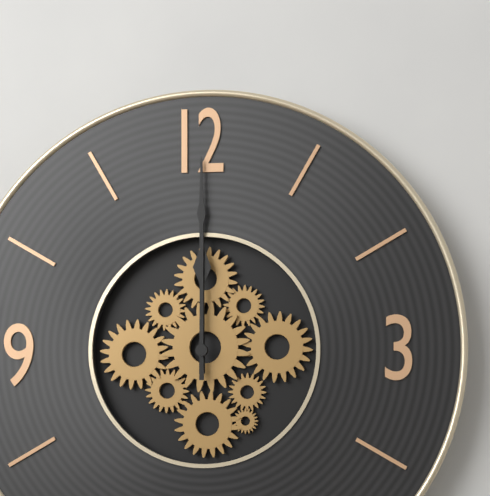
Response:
h=12 m=0
